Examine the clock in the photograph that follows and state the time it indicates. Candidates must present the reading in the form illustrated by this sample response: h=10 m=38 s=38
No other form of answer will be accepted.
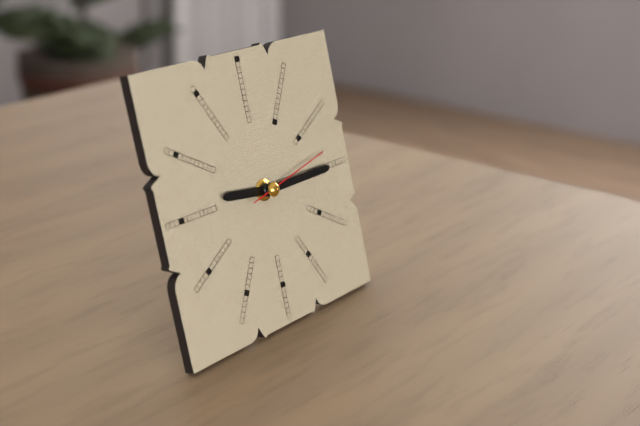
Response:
h=9 m=15 s=13
